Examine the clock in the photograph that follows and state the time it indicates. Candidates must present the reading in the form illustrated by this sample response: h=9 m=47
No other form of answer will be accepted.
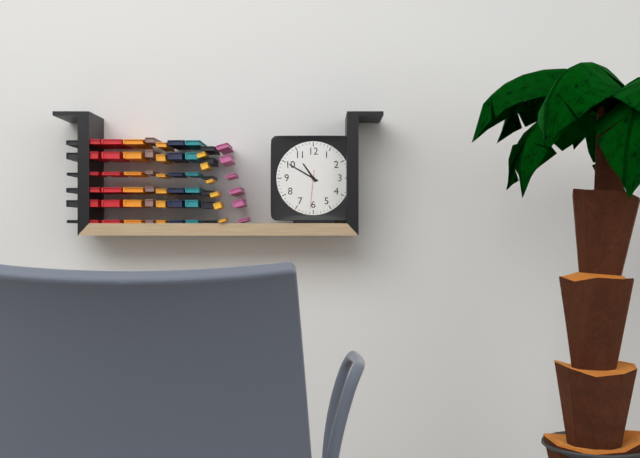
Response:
h=10 m=50
